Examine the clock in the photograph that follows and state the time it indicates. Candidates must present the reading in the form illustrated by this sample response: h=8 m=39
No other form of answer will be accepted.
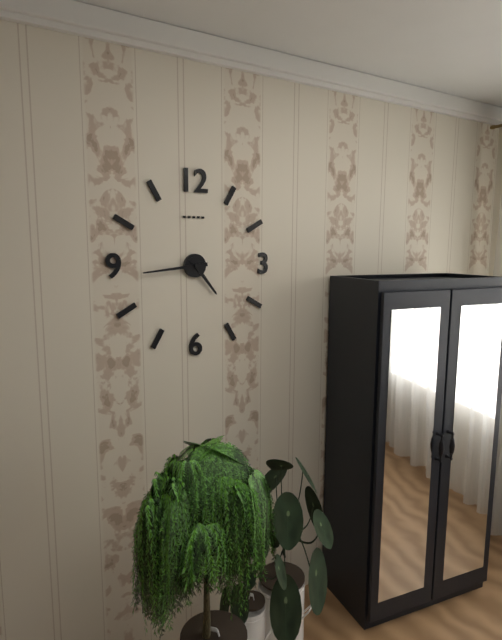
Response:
h=4 m=44
